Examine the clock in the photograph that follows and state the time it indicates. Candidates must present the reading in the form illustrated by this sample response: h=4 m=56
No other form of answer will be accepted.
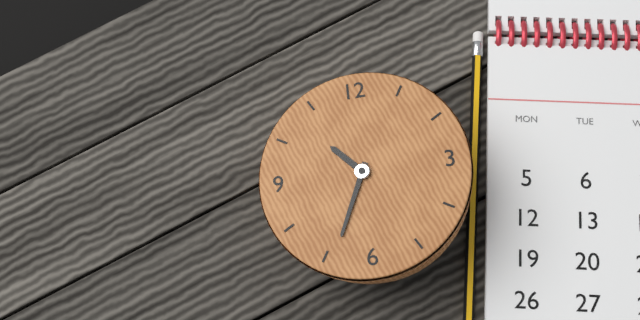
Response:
h=10 m=34
